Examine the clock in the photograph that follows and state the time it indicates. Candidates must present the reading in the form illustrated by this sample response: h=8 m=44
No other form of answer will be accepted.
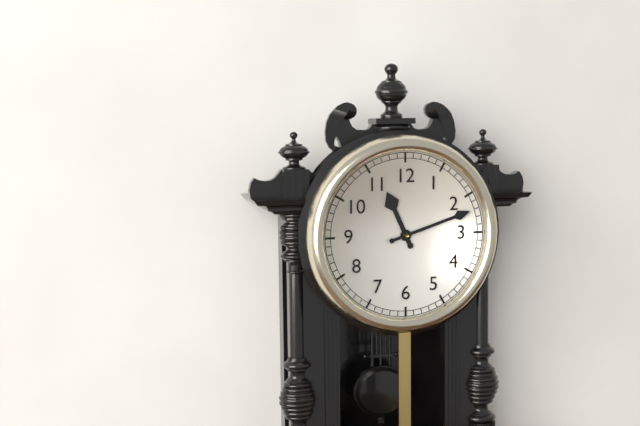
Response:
h=11 m=12
